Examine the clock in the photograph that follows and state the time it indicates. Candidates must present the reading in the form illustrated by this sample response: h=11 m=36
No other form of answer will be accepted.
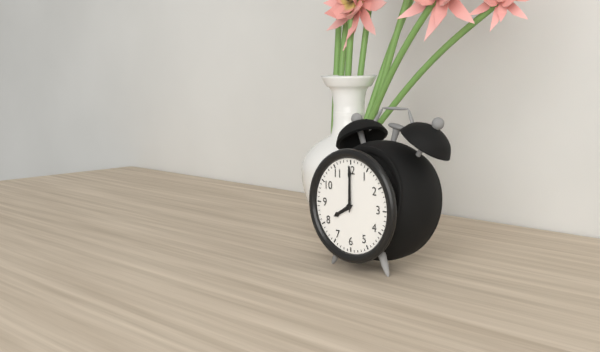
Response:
h=8 m=0
